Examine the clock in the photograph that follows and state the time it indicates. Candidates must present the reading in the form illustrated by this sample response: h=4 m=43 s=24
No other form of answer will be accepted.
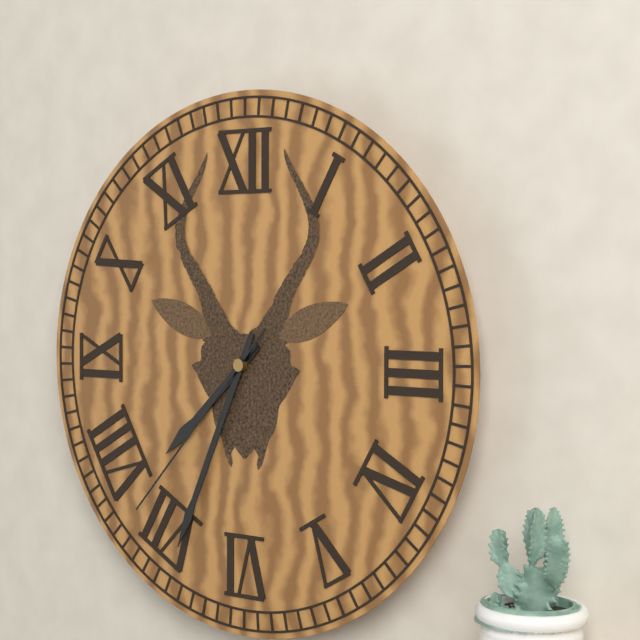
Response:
h=7 m=34 s=37
